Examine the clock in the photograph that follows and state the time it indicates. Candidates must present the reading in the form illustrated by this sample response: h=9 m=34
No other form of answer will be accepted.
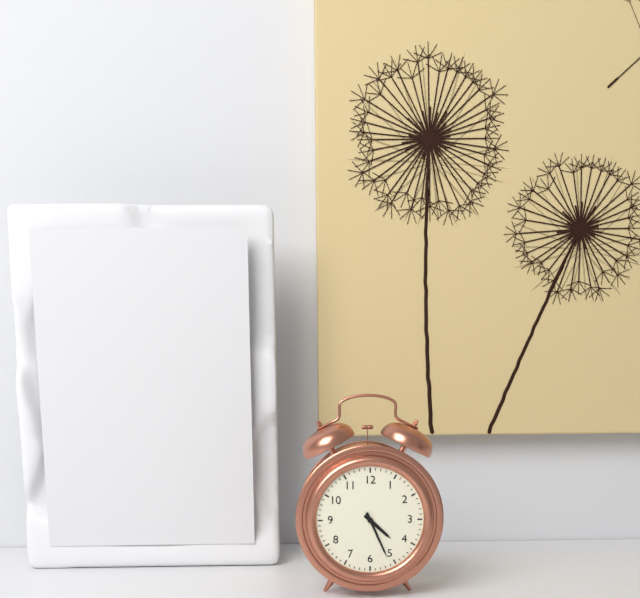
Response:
h=4 m=26
